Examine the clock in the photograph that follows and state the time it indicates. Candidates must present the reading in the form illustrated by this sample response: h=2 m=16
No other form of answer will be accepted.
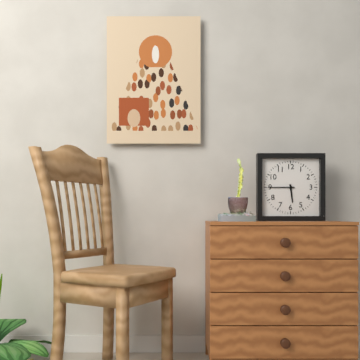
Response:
h=5 m=45
